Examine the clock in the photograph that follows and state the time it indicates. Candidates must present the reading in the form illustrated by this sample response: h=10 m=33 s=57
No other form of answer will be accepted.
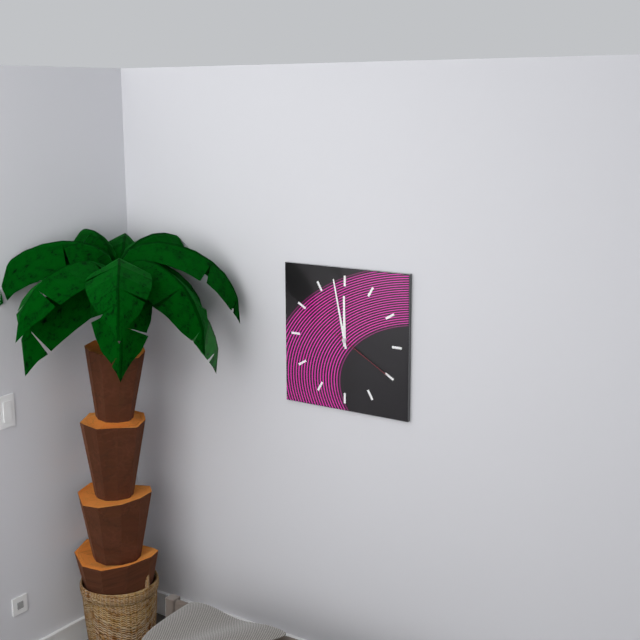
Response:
h=11 m=58 s=20
